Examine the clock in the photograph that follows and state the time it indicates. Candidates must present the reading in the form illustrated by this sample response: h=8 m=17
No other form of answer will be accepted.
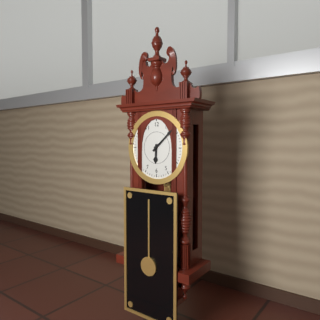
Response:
h=6 m=8
